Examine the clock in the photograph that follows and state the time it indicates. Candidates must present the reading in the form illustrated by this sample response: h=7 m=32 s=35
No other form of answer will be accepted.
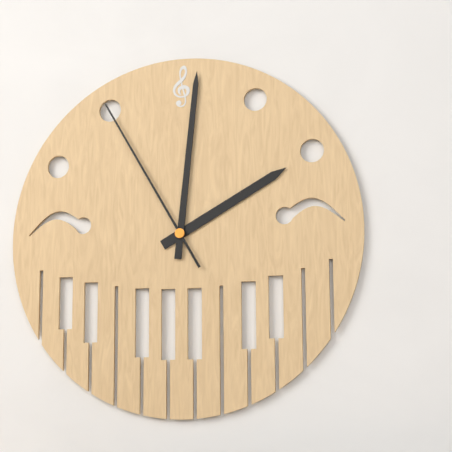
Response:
h=2 m=1 s=55
